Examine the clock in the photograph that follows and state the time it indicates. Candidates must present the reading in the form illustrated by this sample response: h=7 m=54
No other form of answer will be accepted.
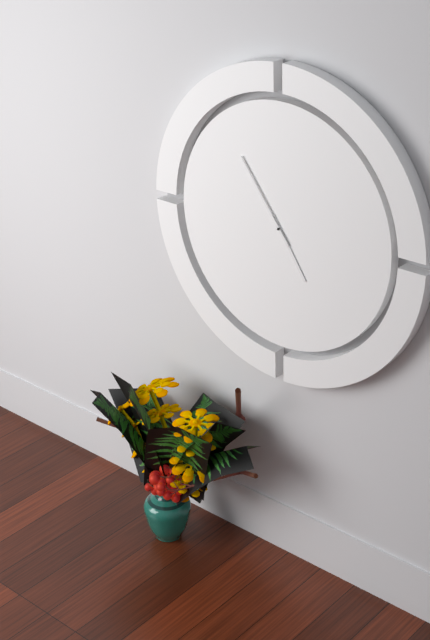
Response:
h=4 m=54
